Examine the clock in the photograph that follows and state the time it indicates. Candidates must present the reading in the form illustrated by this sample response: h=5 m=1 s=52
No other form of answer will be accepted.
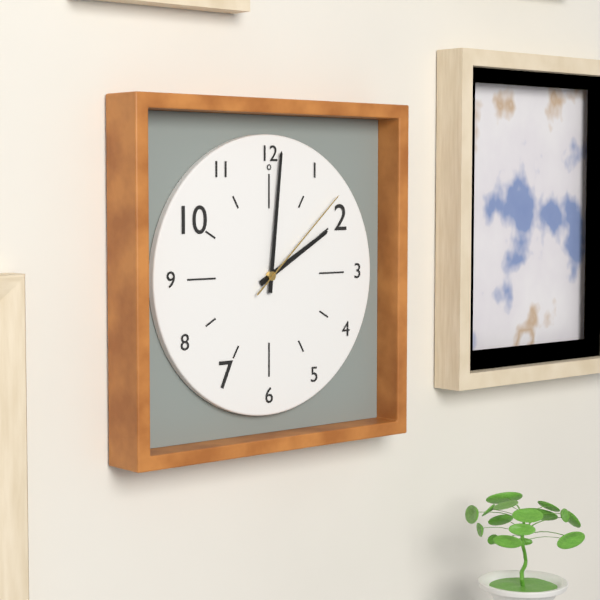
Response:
h=2 m=1 s=8
